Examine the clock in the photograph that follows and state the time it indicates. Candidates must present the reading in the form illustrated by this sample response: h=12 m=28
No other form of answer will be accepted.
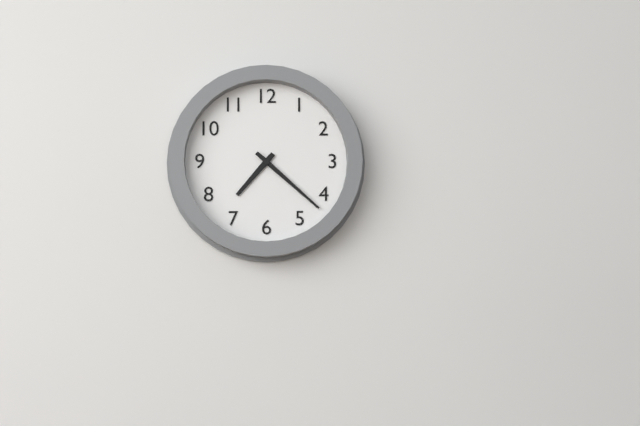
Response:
h=7 m=22
